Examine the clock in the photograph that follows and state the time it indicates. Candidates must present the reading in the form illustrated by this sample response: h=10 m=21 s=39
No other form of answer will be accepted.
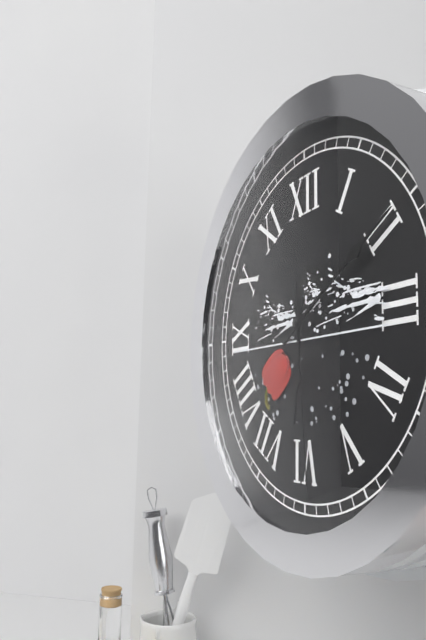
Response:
h=6 m=10 s=29
